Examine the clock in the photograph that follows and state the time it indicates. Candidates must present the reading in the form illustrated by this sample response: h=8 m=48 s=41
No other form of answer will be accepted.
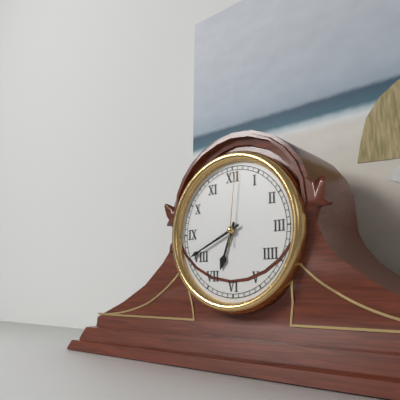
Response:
h=6 m=41 s=1
